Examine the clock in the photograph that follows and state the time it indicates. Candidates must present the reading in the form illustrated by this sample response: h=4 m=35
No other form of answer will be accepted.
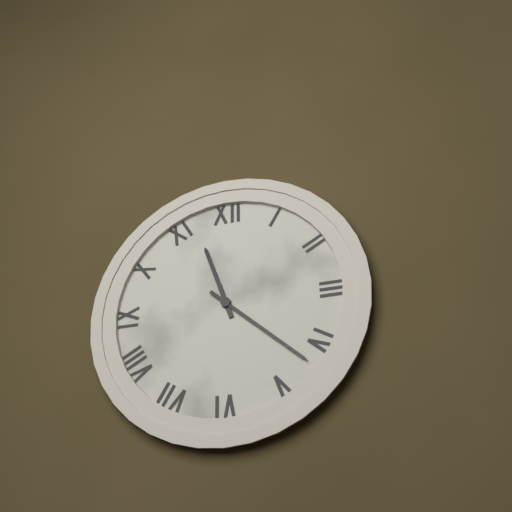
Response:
h=11 m=22
